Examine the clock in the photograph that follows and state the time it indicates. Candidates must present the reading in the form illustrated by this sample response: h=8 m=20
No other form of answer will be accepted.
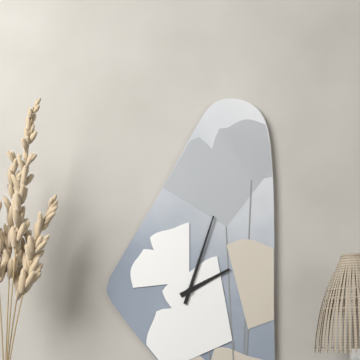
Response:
h=2 m=3
